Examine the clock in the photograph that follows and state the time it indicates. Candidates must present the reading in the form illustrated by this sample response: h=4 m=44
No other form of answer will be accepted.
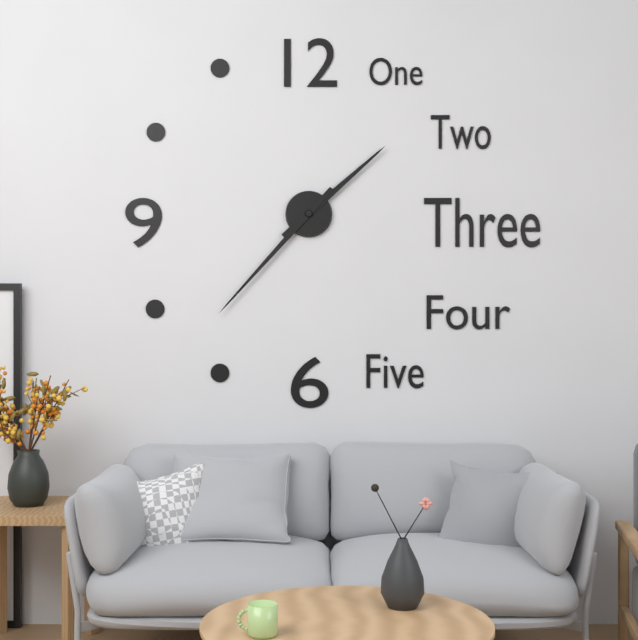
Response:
h=1 m=37
